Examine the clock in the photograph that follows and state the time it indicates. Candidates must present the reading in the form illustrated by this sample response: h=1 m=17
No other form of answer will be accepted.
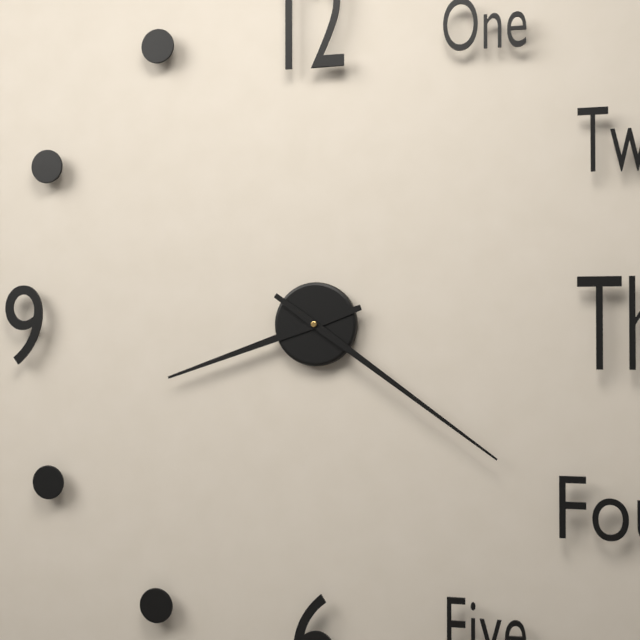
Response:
h=8 m=21
